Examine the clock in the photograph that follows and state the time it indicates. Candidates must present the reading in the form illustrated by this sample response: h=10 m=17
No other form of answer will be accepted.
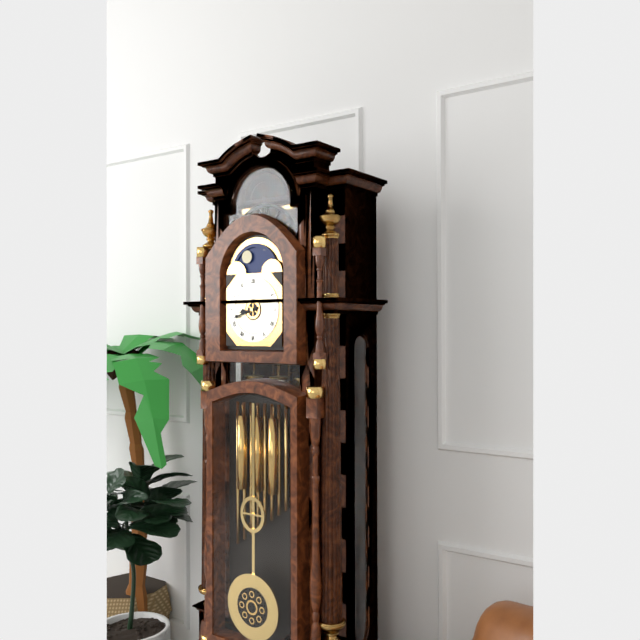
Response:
h=8 m=42
